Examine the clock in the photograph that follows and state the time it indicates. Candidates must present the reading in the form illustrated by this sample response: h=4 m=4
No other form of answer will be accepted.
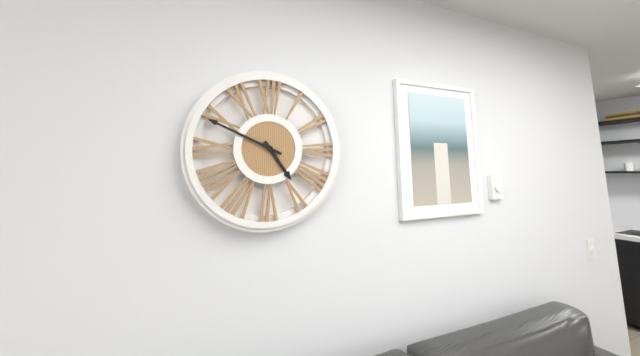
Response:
h=4 m=49
